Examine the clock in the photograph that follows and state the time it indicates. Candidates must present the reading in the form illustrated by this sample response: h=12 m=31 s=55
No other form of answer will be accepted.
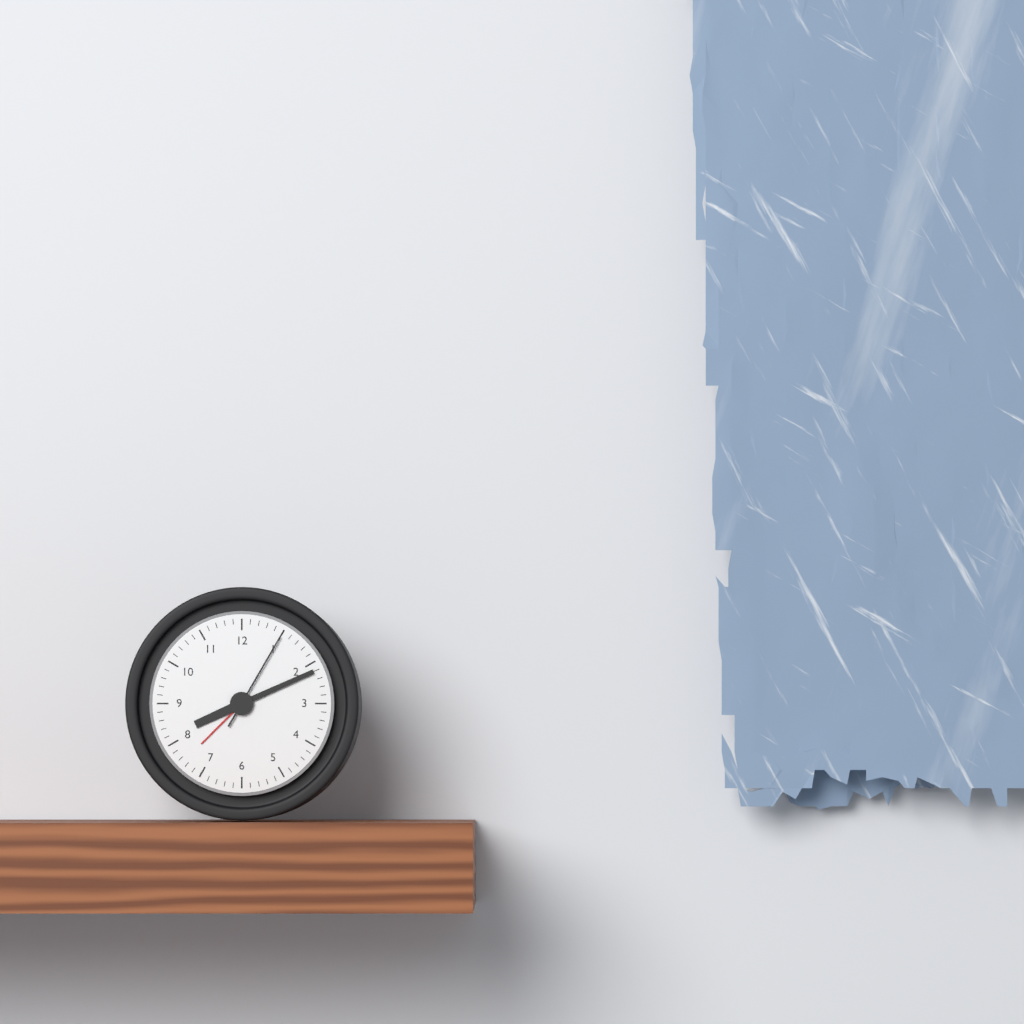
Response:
h=8 m=11 s=5
